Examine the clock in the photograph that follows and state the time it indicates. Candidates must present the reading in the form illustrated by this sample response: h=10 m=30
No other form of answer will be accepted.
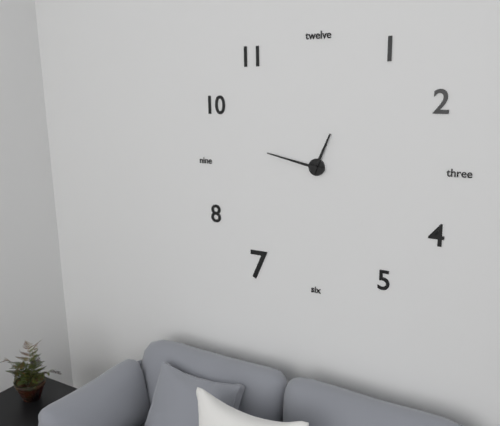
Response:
h=12 m=47
